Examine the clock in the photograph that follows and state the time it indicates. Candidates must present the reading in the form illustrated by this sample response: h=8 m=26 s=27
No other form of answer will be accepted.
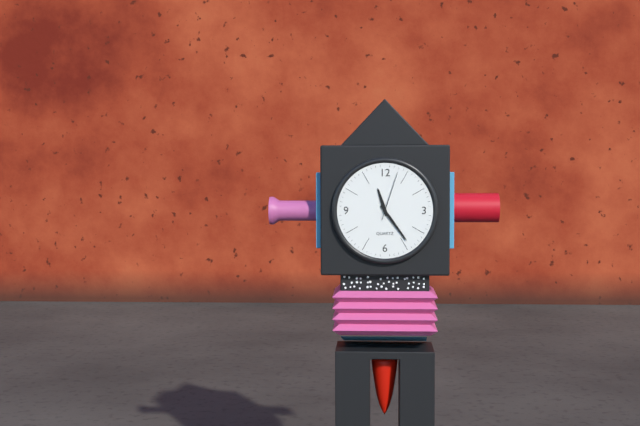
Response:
h=11 m=24 s=3
